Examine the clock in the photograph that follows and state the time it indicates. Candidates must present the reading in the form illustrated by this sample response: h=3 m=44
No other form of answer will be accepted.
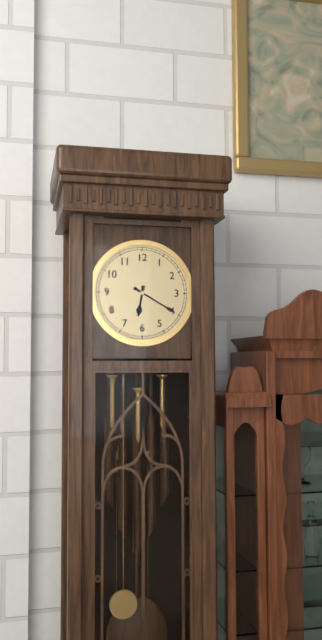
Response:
h=6 m=20
